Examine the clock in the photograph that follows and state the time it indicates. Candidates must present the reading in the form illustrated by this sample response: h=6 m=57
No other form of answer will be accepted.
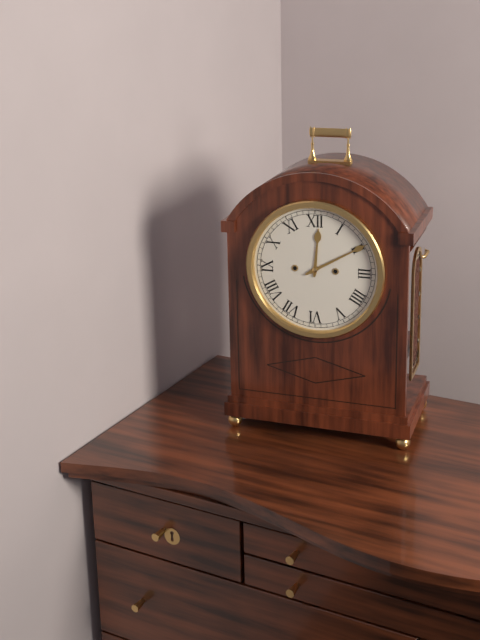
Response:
h=12 m=10
